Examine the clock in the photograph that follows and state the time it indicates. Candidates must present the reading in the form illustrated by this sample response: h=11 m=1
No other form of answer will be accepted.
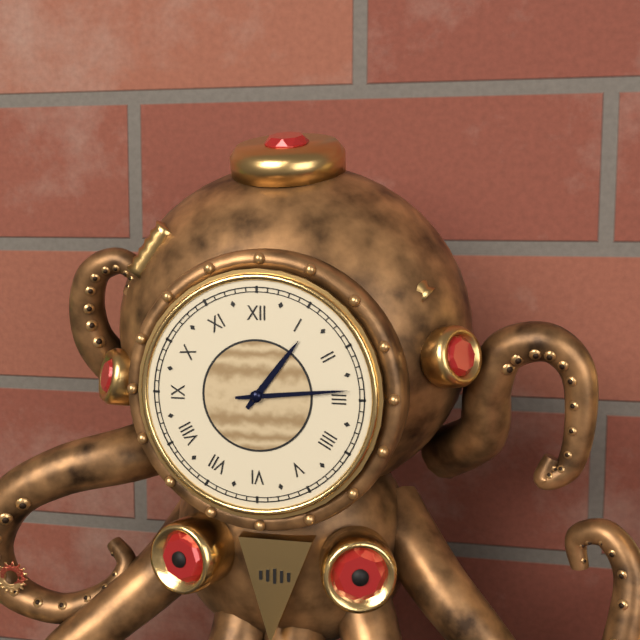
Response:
h=1 m=14
